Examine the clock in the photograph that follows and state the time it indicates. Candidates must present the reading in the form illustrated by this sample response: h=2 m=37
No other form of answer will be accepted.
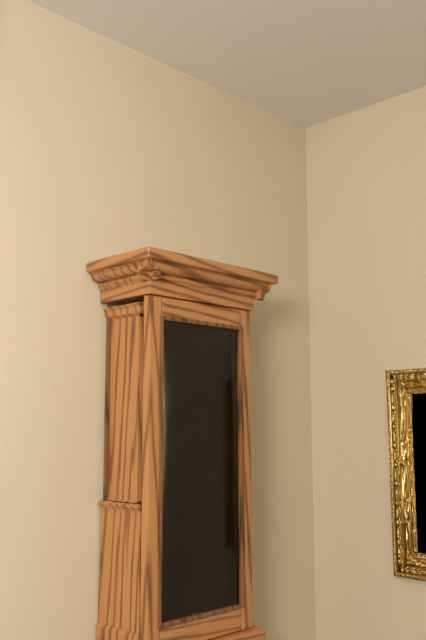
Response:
h=7 m=23
